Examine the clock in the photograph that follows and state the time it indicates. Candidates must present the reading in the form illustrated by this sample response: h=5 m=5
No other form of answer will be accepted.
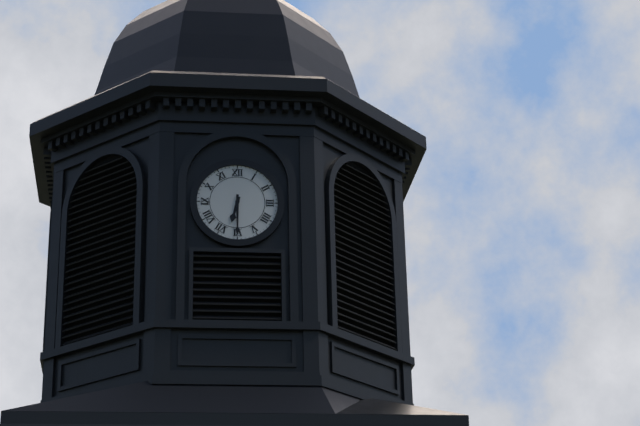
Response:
h=6 m=30
